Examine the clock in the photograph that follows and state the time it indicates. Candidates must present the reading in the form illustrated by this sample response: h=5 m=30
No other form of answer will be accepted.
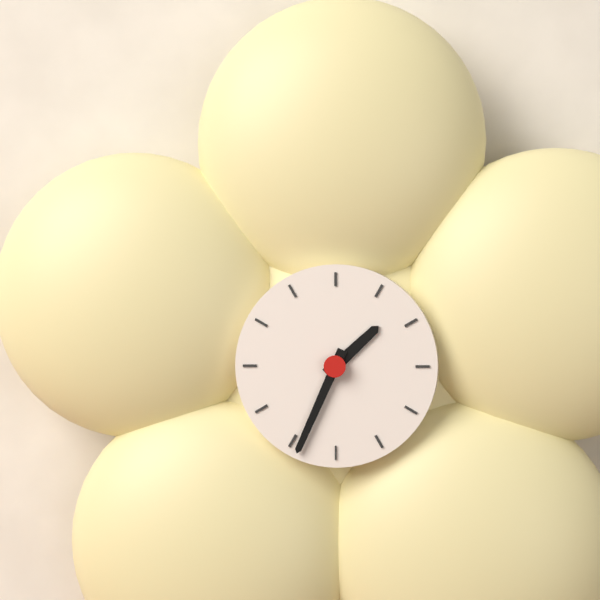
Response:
h=1 m=34
